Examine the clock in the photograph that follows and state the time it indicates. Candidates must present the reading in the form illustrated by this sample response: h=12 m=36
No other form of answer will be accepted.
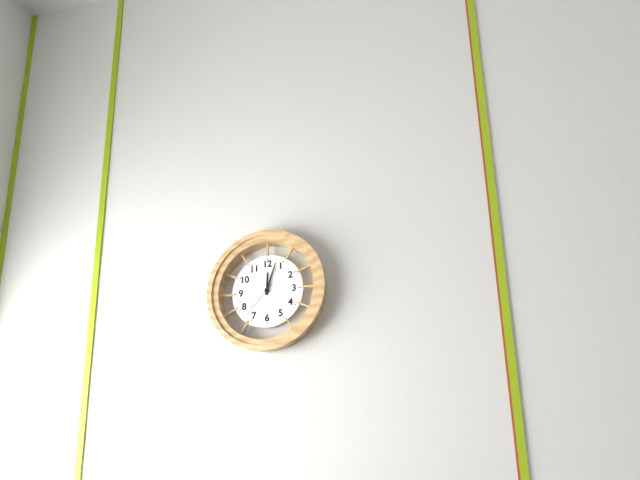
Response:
h=12 m=3
